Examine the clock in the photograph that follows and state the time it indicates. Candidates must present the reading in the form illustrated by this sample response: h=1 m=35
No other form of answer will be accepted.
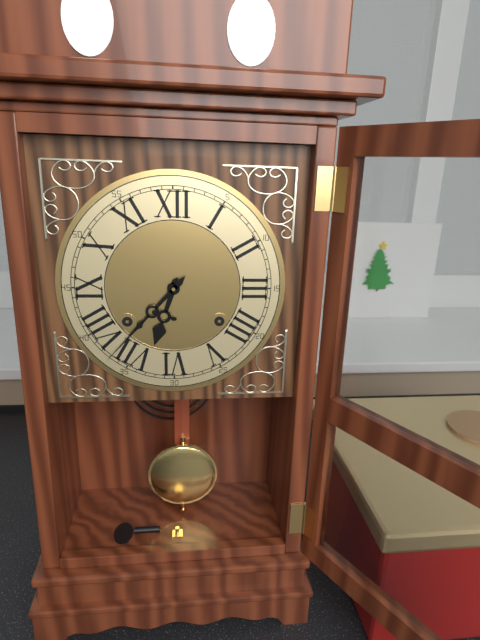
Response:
h=6 m=37
